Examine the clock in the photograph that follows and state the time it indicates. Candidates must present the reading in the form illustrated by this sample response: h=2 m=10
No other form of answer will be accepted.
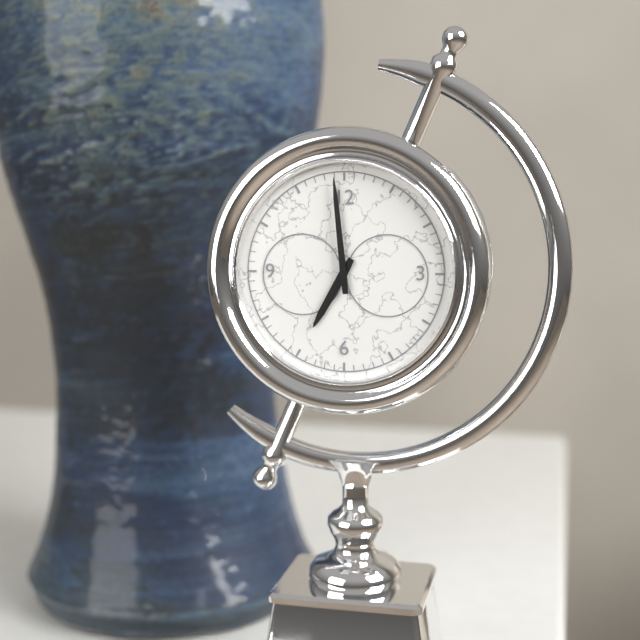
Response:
h=6 m=59
